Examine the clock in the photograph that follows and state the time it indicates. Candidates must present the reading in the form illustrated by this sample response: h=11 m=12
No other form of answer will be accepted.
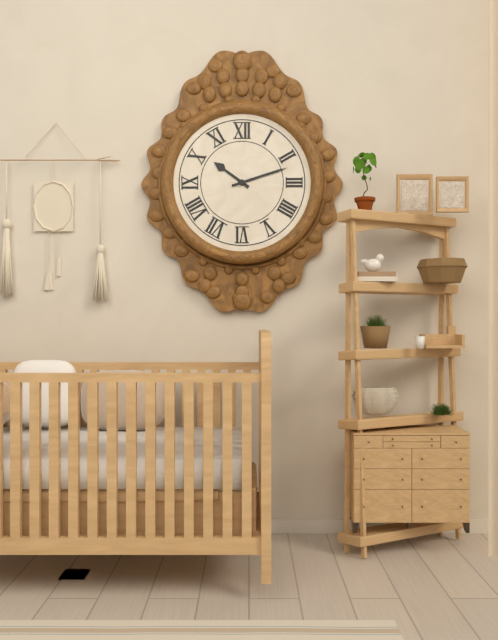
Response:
h=10 m=12
